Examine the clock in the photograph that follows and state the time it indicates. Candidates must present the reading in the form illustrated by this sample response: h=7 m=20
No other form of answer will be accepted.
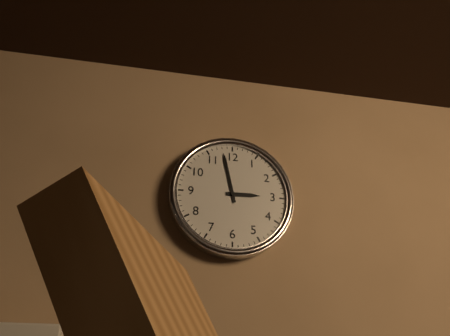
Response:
h=2 m=58
